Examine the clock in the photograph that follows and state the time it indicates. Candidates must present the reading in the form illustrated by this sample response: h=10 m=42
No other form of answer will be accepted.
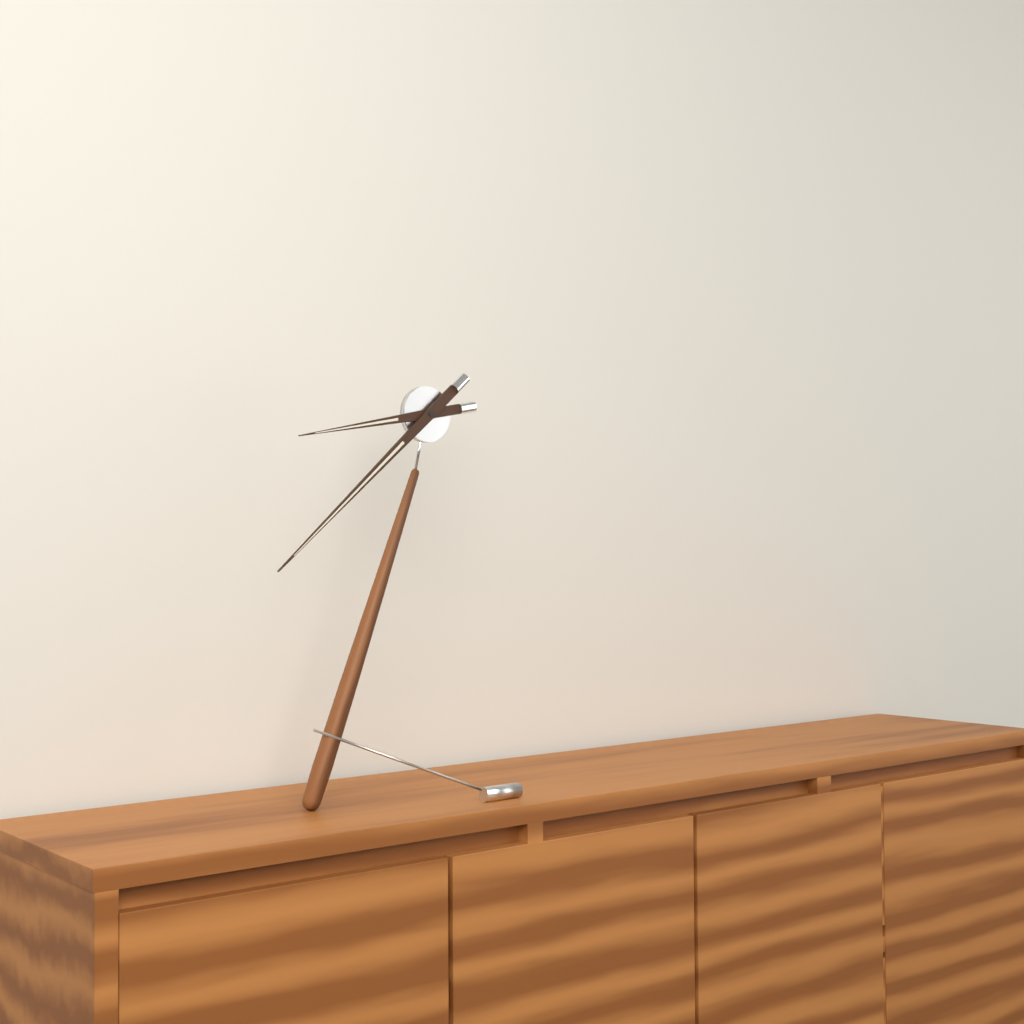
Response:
h=8 m=38
